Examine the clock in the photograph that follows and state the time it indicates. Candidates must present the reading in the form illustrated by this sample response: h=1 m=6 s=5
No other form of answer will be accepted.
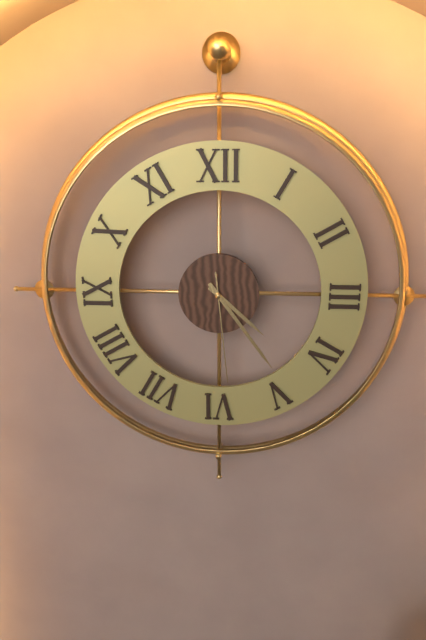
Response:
h=4 m=24 s=29
